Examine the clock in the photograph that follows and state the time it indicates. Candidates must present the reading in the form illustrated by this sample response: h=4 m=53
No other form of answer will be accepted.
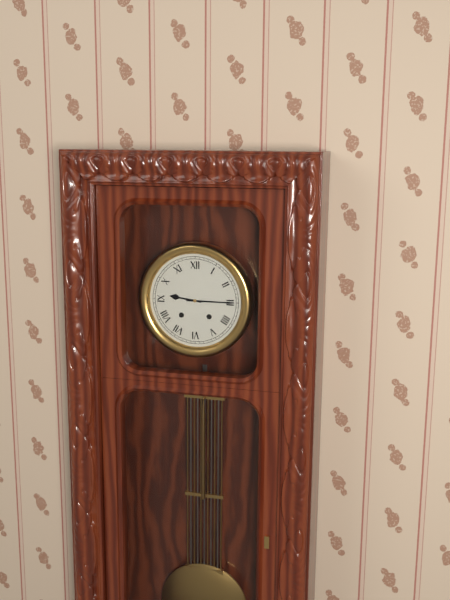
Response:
h=9 m=15
